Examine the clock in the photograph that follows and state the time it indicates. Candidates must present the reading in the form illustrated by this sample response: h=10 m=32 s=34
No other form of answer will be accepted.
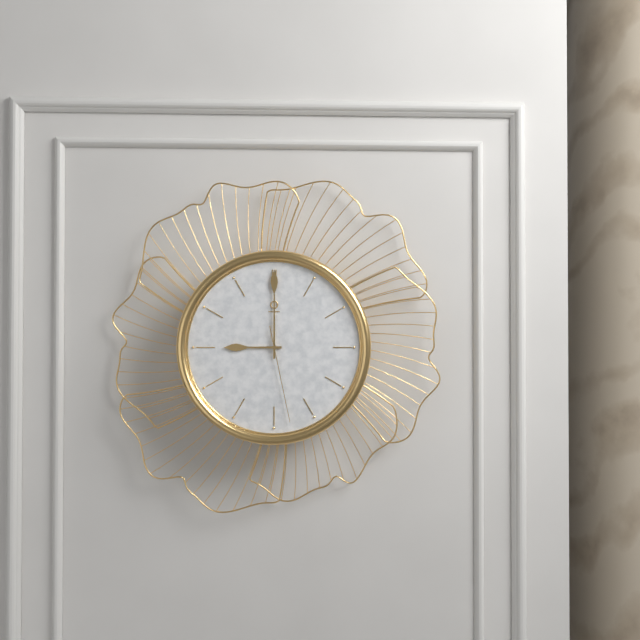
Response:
h=9 m=0 s=28
